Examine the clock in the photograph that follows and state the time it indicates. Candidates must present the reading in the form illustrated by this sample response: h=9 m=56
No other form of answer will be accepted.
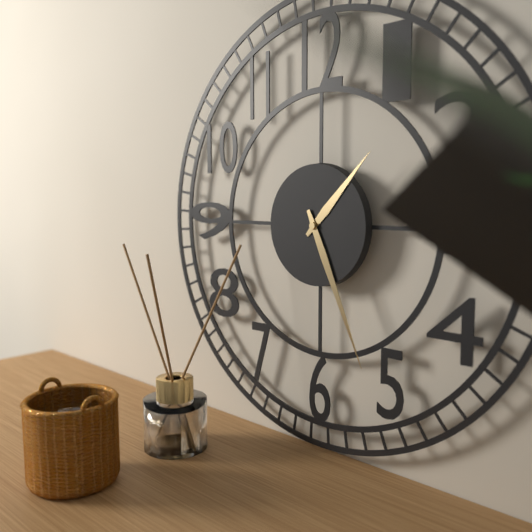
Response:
h=1 m=26
